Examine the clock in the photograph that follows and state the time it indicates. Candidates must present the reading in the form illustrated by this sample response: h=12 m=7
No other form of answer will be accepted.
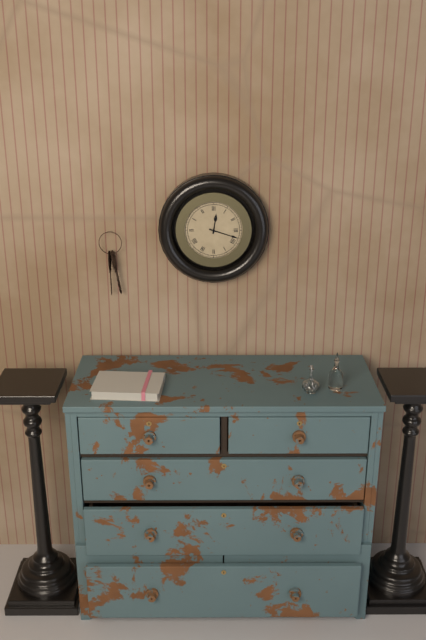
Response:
h=12 m=18
